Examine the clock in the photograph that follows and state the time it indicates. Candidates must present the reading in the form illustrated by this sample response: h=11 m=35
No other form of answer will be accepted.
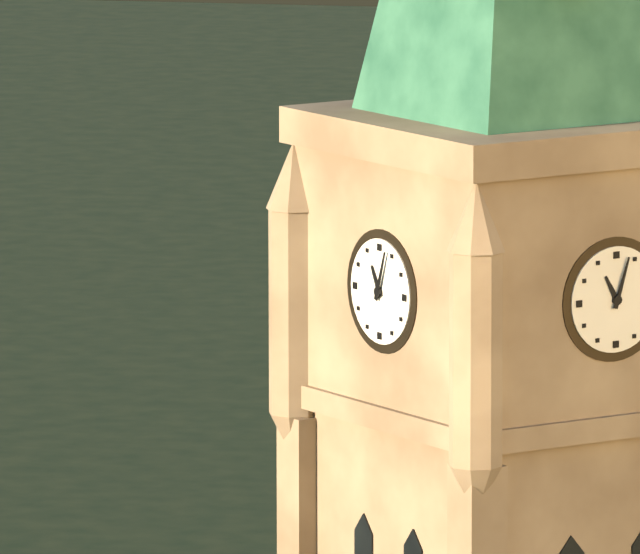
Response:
h=11 m=3
